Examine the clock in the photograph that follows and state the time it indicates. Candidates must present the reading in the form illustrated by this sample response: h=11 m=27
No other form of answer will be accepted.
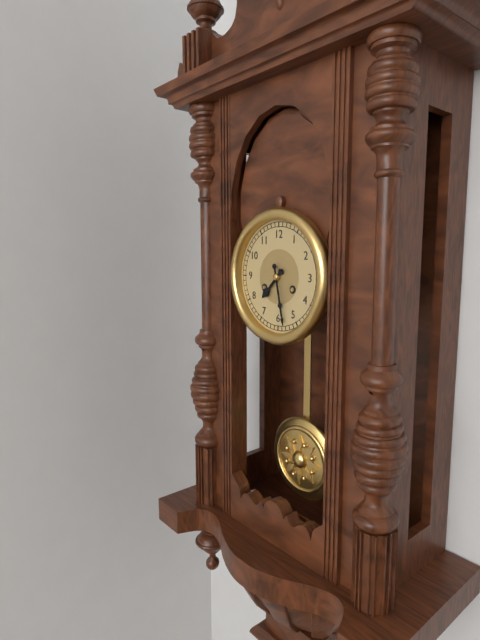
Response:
h=7 m=28
